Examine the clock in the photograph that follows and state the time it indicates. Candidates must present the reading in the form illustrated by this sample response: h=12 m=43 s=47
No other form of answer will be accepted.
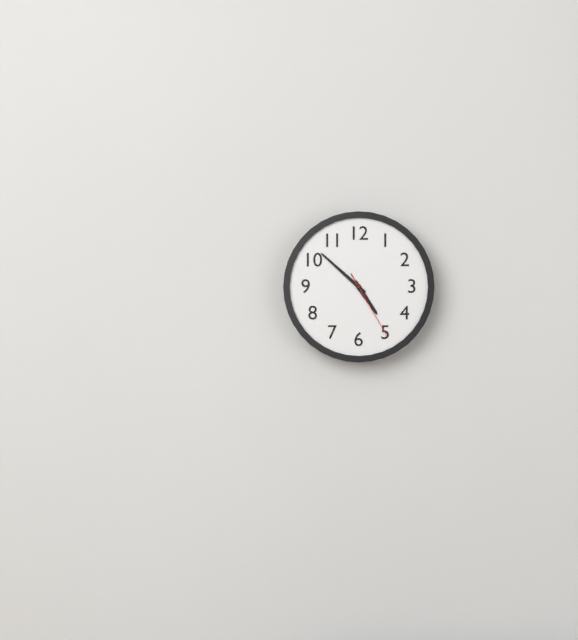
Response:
h=4 m=52 s=25
